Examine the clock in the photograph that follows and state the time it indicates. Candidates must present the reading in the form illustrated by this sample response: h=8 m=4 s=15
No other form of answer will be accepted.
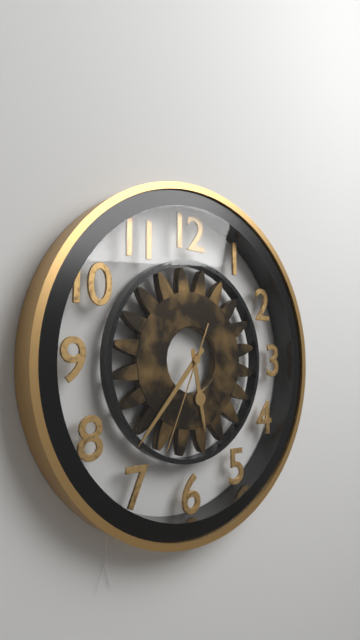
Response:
h=5 m=37 s=34
